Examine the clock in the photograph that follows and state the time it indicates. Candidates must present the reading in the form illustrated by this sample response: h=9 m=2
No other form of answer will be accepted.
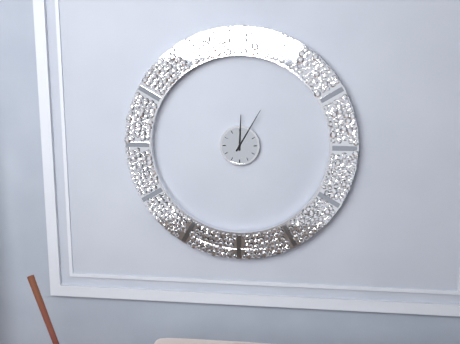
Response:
h=12 m=5
